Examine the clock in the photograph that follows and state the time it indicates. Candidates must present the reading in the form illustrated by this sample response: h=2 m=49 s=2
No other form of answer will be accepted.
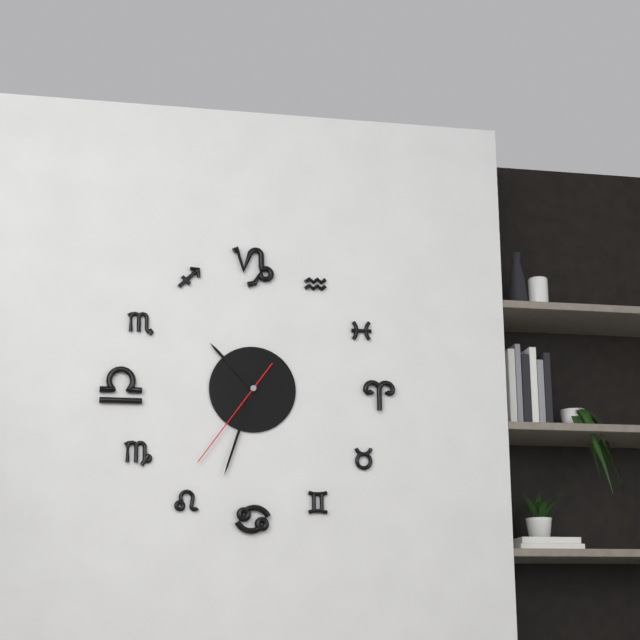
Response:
h=10 m=33 s=36
